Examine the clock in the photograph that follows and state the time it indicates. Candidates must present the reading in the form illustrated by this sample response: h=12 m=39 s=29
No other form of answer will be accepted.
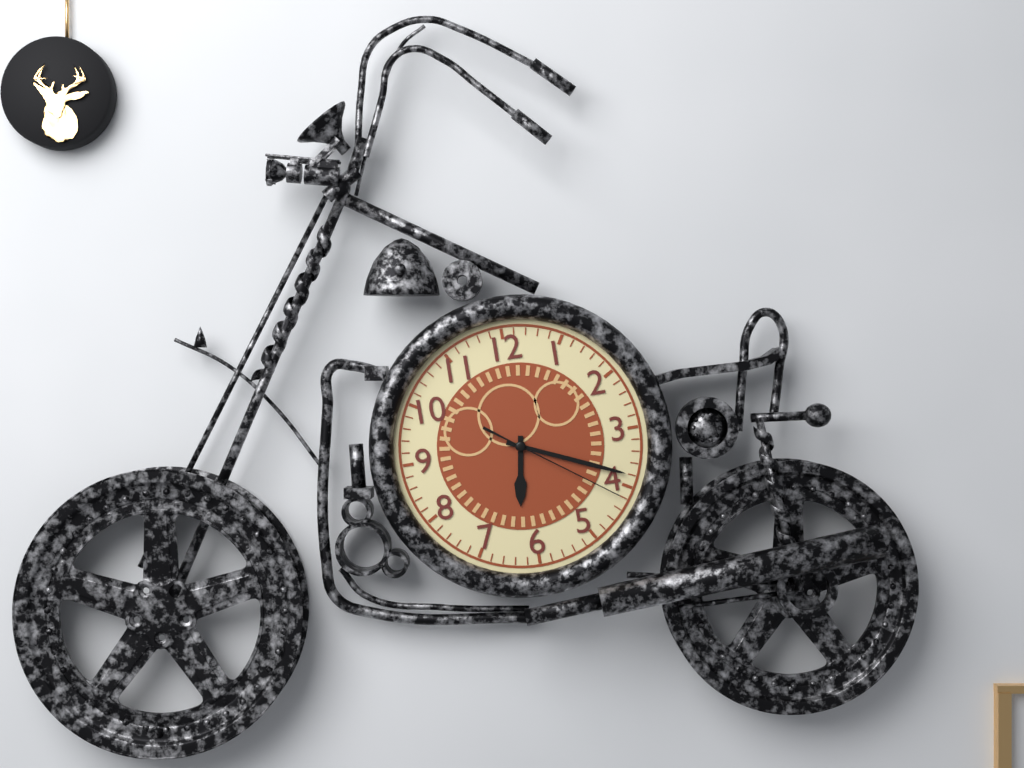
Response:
h=6 m=19 s=21
